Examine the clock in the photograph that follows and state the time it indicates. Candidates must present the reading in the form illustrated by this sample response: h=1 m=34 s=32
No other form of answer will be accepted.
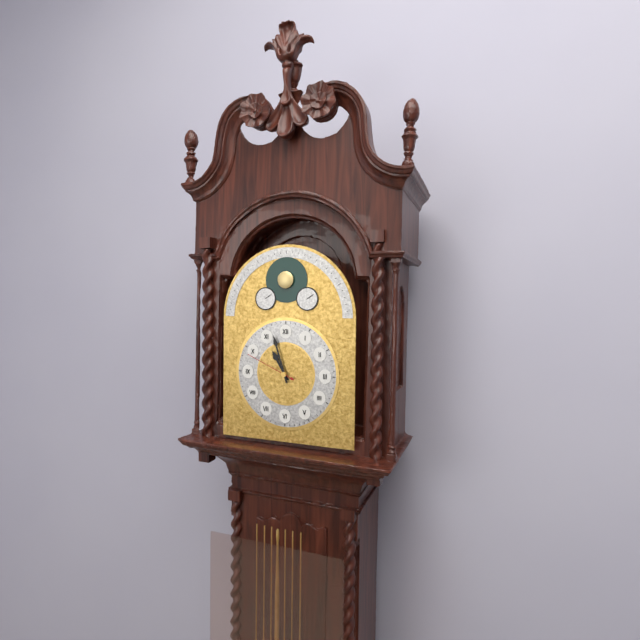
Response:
h=10 m=57 s=49
